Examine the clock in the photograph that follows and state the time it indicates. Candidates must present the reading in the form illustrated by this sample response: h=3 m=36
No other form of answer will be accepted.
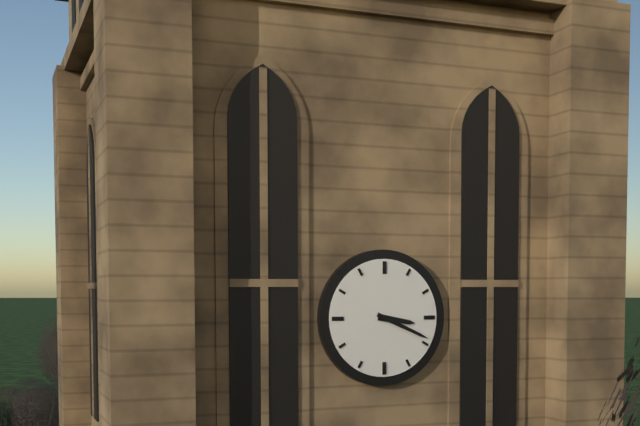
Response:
h=3 m=19
